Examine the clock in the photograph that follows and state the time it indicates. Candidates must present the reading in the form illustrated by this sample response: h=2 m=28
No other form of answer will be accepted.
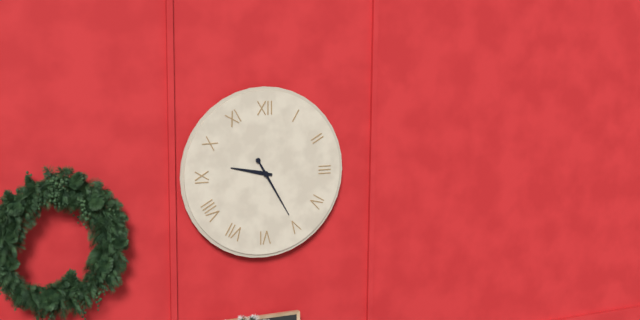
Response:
h=9 m=25
